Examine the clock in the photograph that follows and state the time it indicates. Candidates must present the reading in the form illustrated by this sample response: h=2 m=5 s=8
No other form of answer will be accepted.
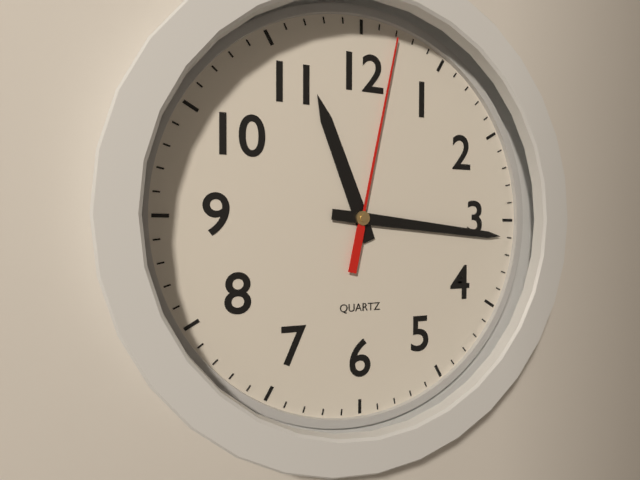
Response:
h=11 m=16 s=2
